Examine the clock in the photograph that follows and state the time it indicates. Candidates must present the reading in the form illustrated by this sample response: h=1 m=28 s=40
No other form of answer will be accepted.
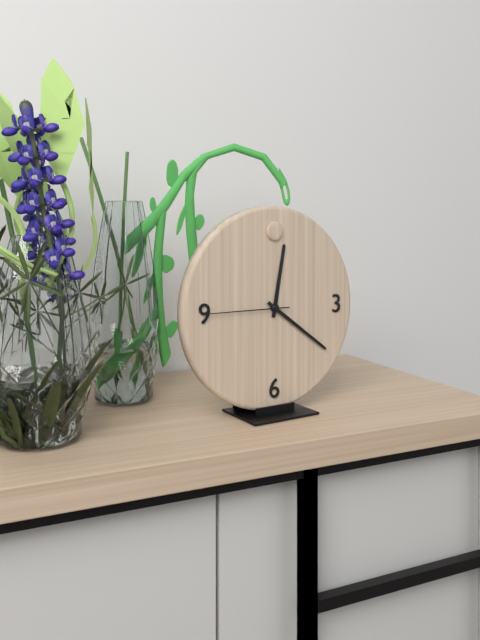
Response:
h=12 m=21 s=45
